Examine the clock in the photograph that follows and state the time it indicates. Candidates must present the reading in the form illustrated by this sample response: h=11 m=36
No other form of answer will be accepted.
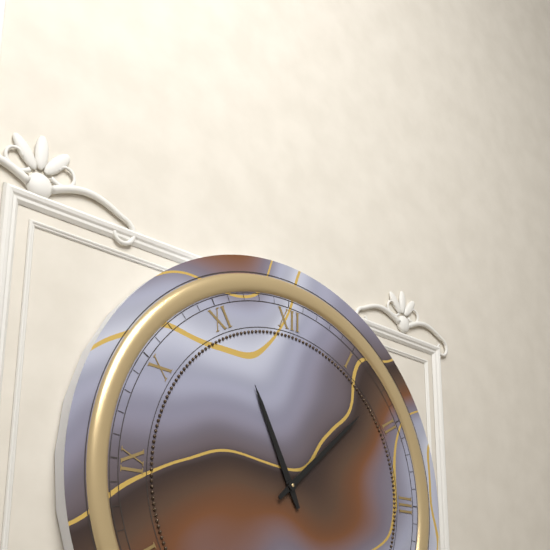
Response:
h=11 m=8
